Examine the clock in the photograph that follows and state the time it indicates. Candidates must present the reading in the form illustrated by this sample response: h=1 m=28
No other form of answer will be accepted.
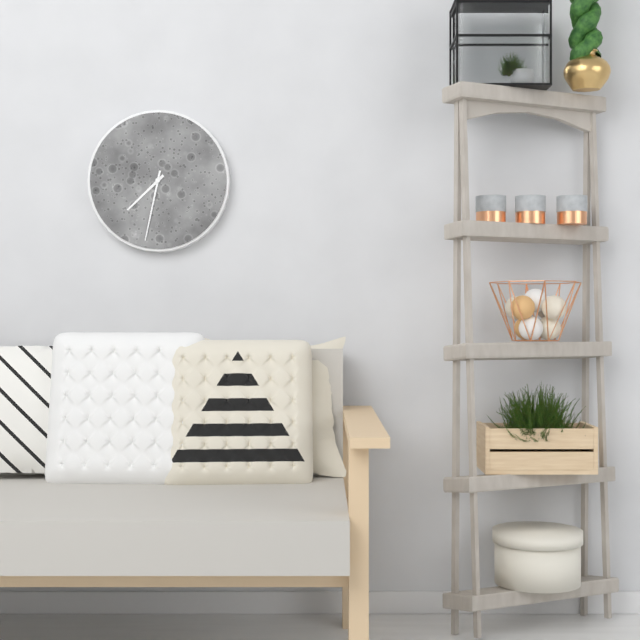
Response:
h=7 m=32
